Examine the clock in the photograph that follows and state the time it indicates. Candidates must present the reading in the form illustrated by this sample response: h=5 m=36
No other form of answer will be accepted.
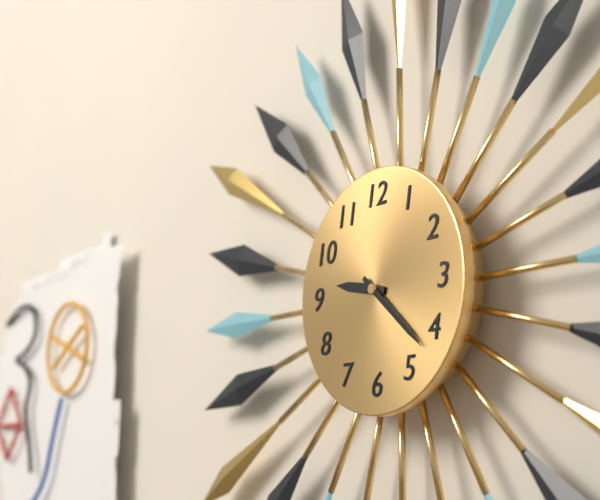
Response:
h=9 m=22
